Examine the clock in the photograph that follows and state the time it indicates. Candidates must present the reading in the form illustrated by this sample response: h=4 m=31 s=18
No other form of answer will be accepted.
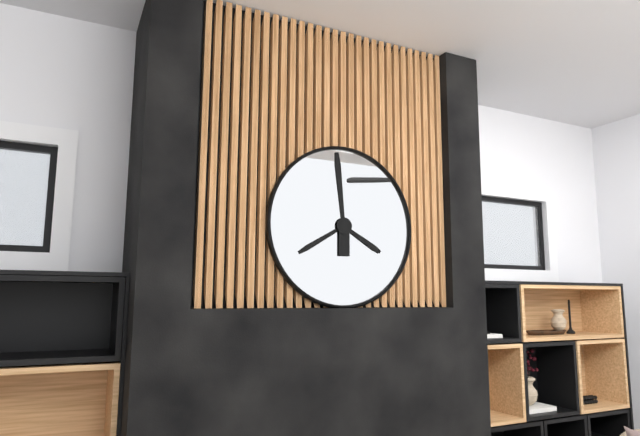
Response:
h=7 m=59 s=20
